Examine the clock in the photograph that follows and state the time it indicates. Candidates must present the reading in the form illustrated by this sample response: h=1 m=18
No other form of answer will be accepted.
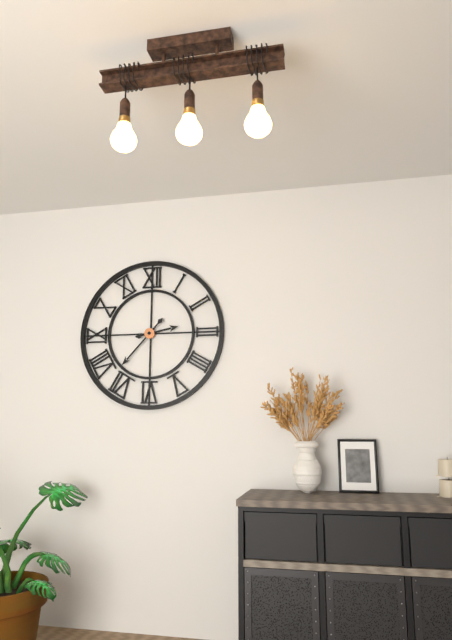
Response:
h=2 m=37
